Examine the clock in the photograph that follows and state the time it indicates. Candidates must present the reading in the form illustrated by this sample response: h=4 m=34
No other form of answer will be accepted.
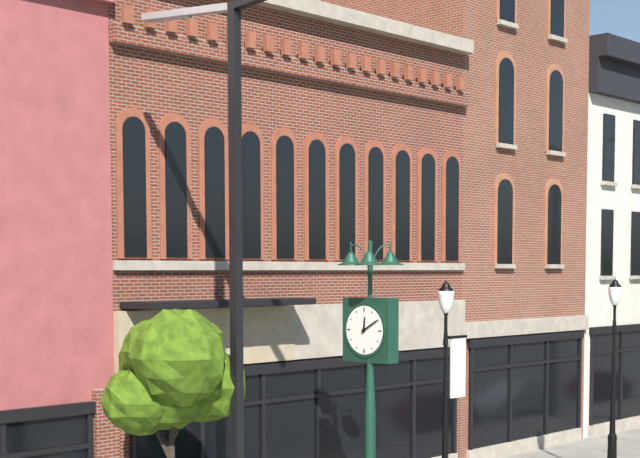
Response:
h=12 m=10
